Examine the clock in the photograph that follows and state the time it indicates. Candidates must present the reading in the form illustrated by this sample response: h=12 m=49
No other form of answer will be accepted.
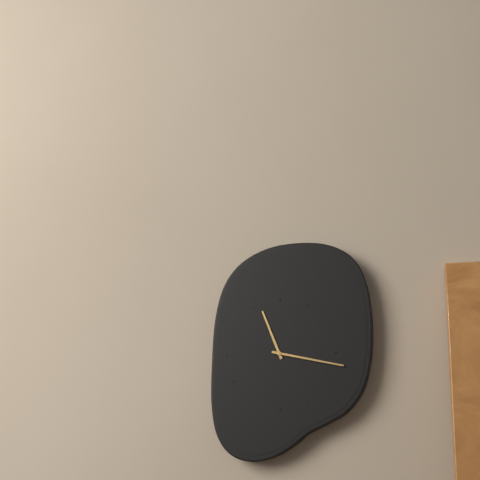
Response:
h=11 m=17
